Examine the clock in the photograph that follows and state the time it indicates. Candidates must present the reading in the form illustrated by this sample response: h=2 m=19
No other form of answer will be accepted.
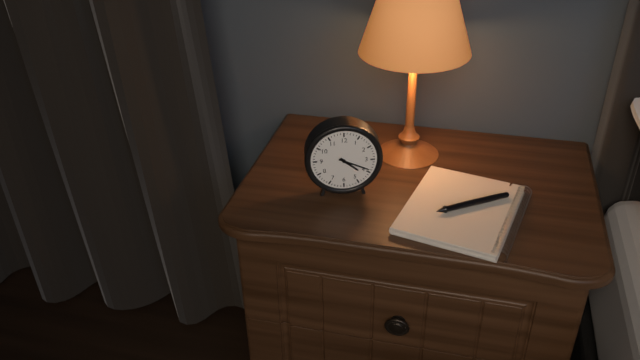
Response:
h=4 m=19
